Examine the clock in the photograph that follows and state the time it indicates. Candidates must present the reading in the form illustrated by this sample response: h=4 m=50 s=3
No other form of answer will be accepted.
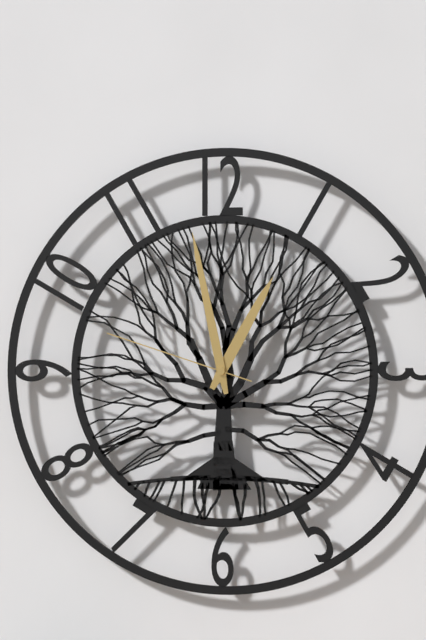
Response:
h=12 m=58 s=48
